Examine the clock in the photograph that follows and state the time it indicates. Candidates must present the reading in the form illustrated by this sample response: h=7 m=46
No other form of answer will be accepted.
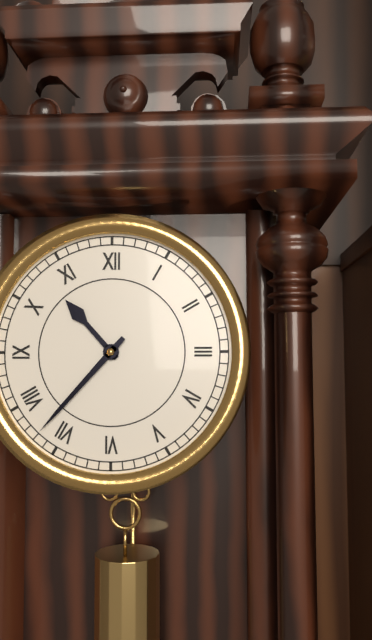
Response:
h=10 m=37
